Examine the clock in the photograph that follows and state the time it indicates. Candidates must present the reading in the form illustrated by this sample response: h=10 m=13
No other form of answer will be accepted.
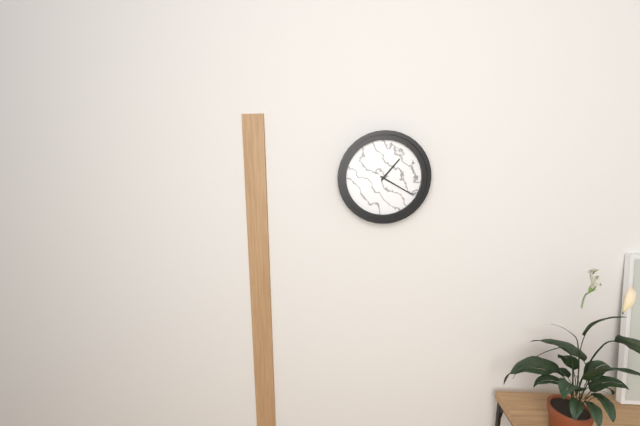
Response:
h=1 m=20
